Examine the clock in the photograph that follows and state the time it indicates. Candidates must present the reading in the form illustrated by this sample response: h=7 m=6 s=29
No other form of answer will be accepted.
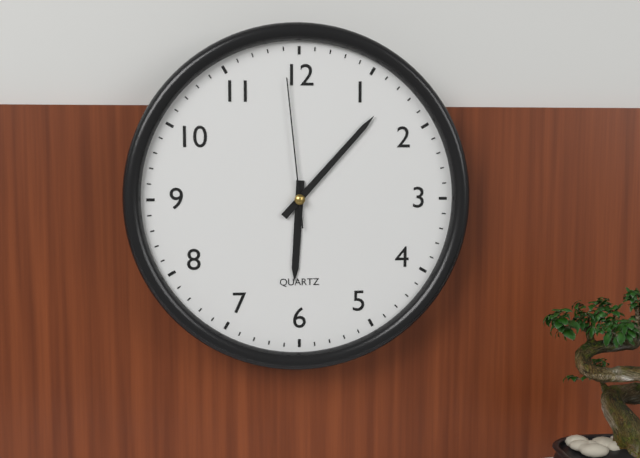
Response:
h=6 m=7 s=59
